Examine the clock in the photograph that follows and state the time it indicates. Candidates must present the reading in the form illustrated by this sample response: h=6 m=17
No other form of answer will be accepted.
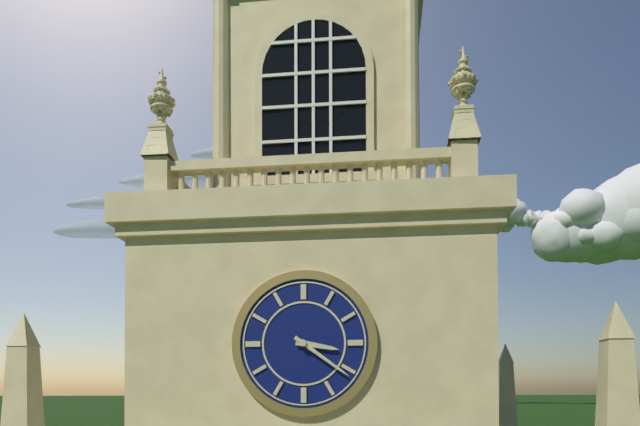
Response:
h=3 m=21
